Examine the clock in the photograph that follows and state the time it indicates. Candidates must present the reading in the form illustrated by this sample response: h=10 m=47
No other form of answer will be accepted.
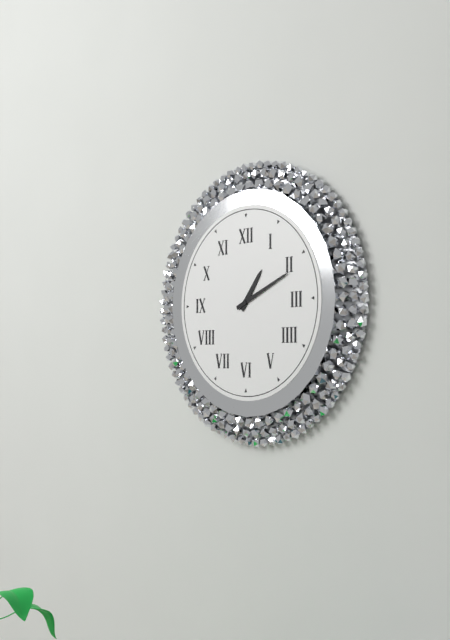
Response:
h=1 m=11
